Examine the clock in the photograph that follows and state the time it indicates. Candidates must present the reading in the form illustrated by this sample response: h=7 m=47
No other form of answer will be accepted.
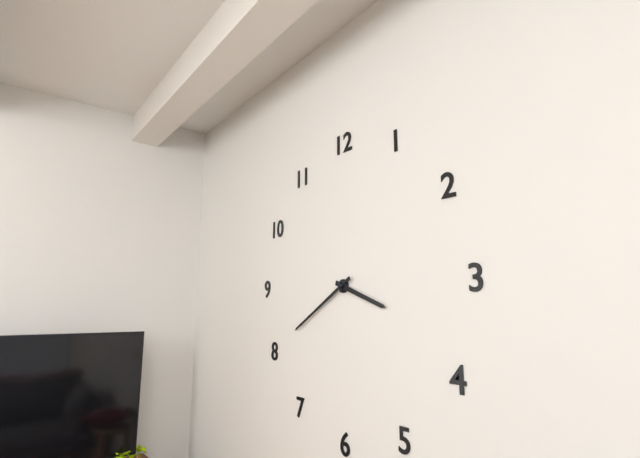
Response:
h=3 m=40
